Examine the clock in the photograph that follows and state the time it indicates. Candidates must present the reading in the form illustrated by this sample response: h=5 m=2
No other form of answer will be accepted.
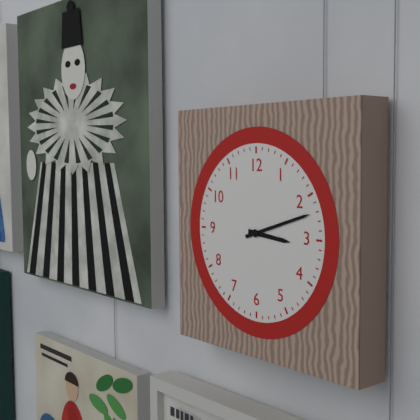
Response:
h=3 m=12
